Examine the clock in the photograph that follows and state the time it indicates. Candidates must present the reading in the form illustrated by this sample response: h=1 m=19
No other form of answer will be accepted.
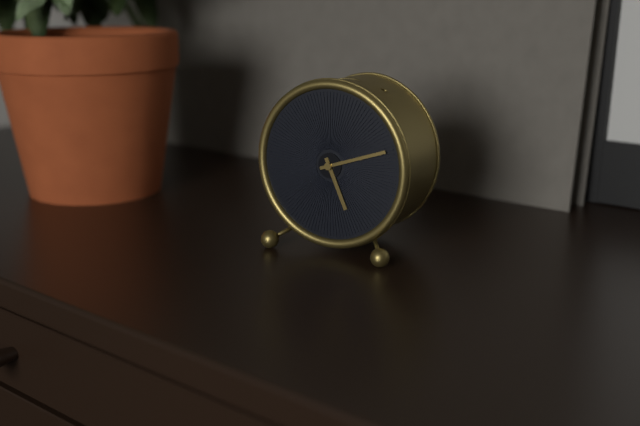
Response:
h=5 m=12
